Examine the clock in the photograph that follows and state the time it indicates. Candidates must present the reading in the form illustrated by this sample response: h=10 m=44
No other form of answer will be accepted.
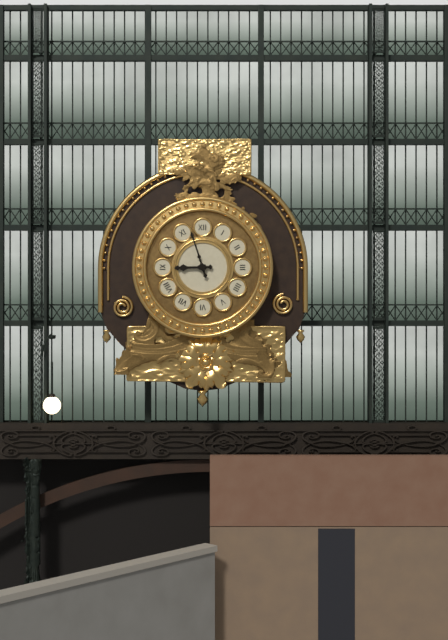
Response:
h=8 m=57
